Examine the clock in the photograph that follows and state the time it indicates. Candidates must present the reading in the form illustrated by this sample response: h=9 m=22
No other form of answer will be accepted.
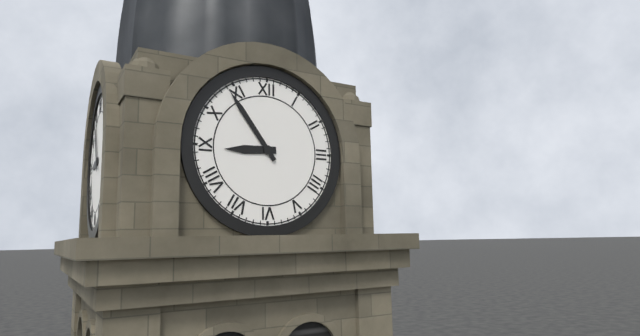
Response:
h=8 m=54
